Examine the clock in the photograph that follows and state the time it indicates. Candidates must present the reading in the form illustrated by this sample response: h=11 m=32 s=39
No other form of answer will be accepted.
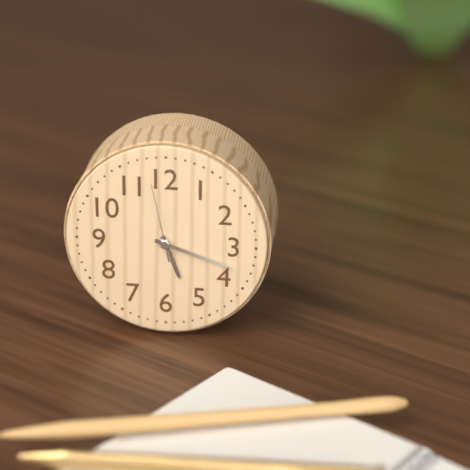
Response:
h=5 m=18 s=58
